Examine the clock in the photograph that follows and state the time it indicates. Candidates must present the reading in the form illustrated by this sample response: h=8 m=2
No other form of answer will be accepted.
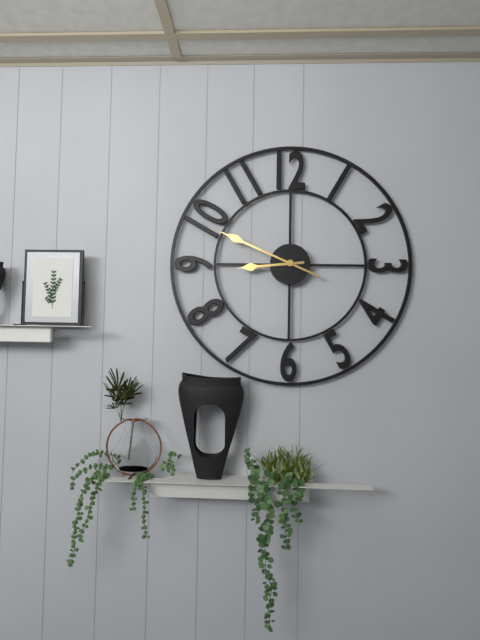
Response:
h=8 m=49
